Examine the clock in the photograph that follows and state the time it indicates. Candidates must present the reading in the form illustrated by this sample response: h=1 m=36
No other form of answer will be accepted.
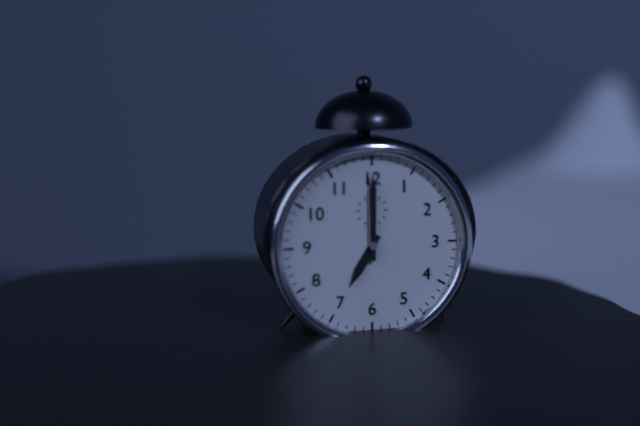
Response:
h=7 m=0
